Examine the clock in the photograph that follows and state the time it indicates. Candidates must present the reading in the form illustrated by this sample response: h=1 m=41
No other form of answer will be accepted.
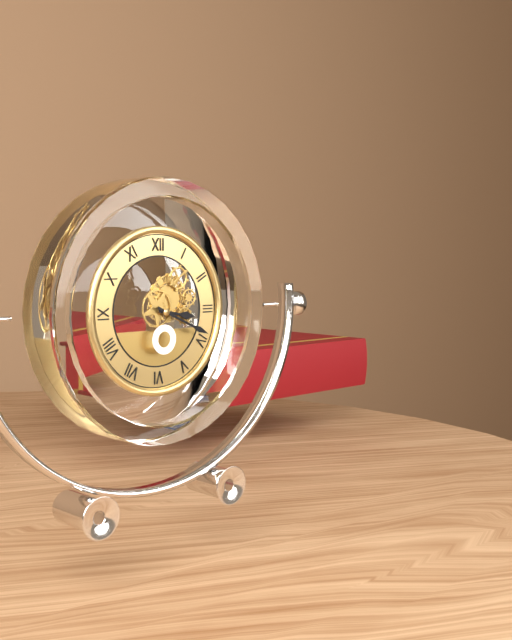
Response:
h=3 m=19
